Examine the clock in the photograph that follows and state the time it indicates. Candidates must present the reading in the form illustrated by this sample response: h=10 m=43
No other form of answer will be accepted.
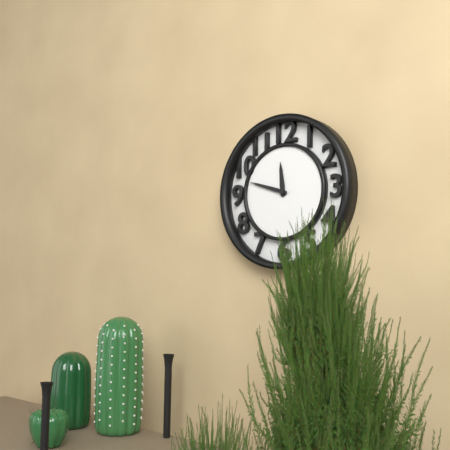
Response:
h=11 m=48
